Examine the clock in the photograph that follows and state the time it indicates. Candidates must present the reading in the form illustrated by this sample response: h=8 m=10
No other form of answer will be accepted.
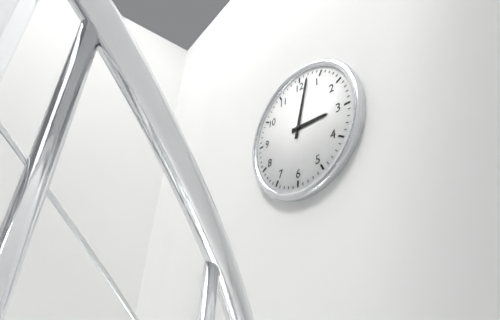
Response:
h=3 m=2
